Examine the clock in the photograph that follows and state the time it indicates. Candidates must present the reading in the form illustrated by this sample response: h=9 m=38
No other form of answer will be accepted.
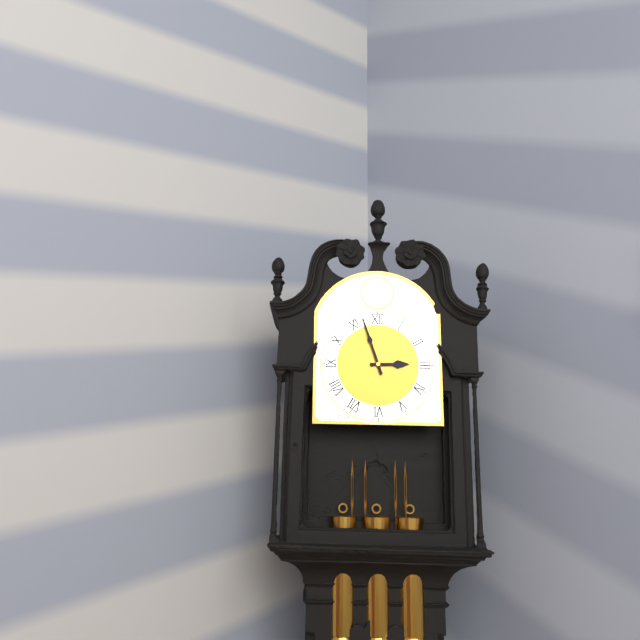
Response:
h=2 m=57
